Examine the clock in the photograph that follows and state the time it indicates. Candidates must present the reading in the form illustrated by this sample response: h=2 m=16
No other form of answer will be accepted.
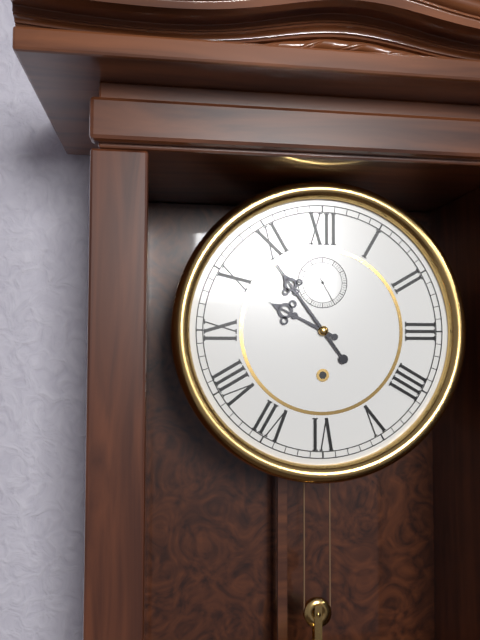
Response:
h=9 m=54
